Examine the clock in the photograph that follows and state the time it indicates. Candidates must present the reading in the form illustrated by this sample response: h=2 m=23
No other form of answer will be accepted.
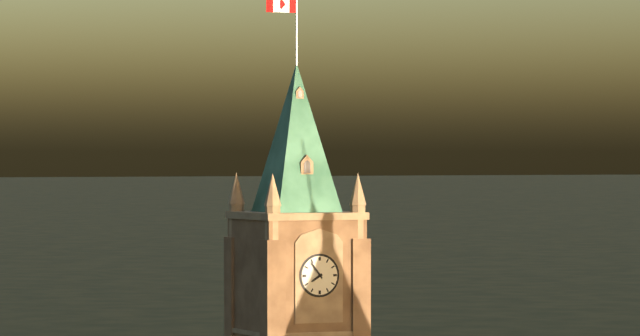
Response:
h=7 m=54
